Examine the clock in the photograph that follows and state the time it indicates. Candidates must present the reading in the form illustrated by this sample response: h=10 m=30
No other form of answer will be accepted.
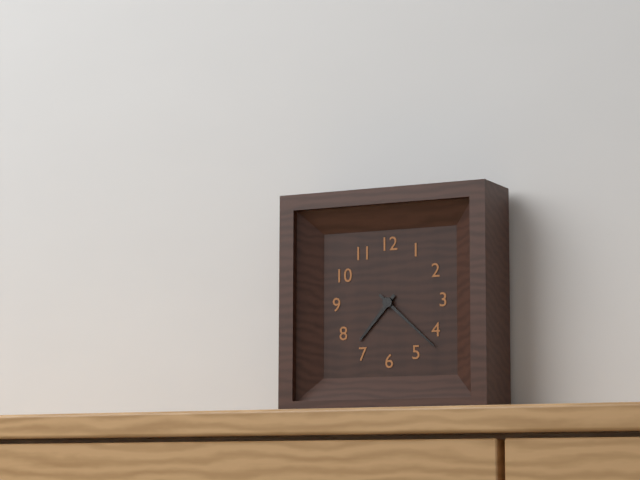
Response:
h=7 m=22
